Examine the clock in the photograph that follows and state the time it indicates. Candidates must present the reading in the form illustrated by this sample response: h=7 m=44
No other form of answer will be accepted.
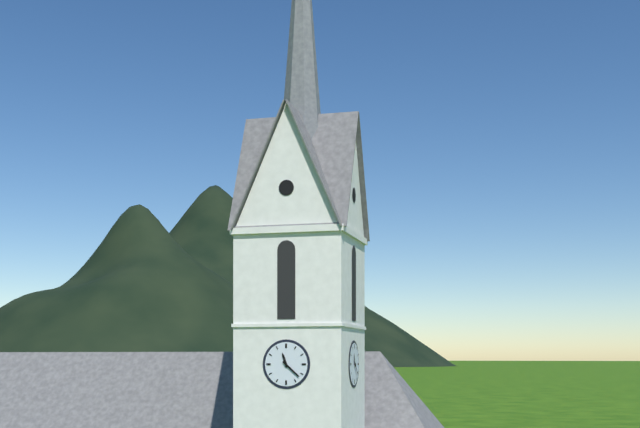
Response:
h=11 m=22
